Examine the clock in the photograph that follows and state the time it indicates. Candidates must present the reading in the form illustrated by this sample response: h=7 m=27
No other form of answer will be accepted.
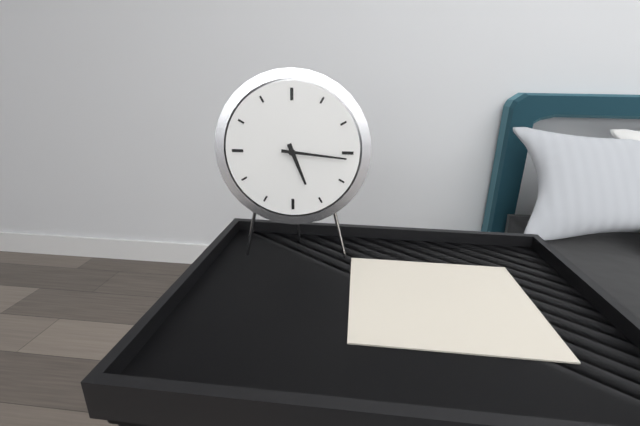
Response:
h=5 m=16
